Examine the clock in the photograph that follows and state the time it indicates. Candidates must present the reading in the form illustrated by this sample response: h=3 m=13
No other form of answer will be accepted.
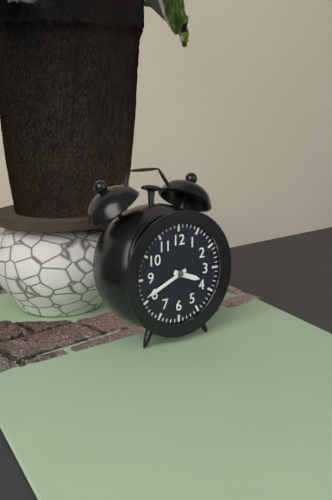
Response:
h=3 m=41
